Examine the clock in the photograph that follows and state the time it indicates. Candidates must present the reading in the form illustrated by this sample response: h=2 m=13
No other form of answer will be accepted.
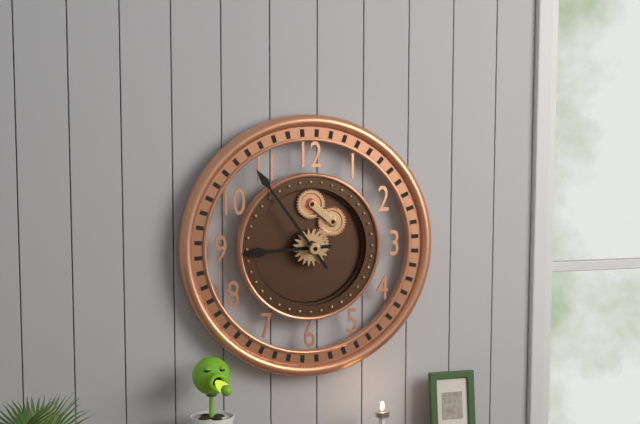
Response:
h=8 m=54
